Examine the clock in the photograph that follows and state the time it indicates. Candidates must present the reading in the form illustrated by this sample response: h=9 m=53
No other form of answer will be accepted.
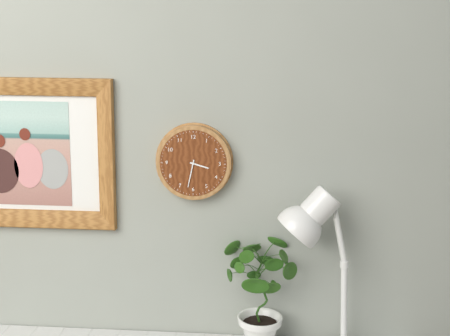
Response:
h=3 m=32
